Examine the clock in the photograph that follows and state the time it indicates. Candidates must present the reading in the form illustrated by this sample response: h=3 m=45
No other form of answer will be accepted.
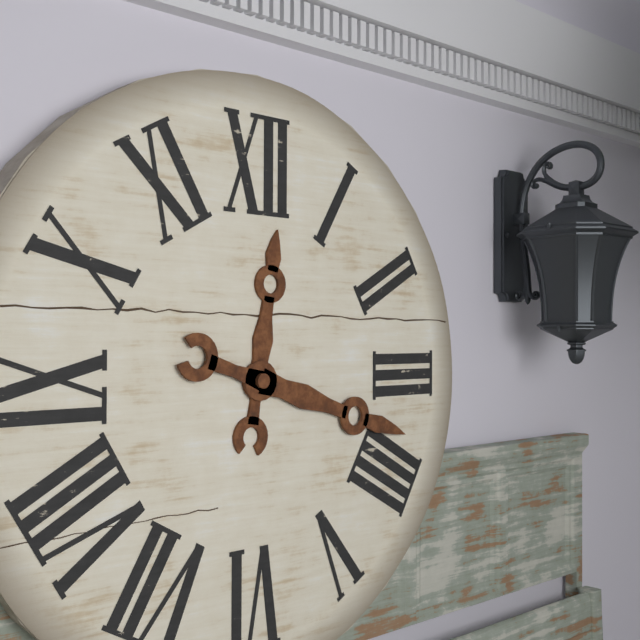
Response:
h=12 m=18
